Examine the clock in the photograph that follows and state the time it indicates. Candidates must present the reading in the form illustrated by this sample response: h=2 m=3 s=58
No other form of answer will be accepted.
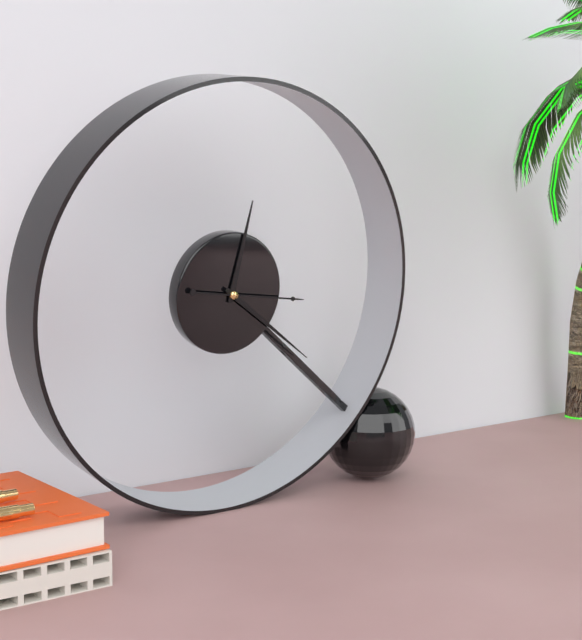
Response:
h=12 m=21 s=16
